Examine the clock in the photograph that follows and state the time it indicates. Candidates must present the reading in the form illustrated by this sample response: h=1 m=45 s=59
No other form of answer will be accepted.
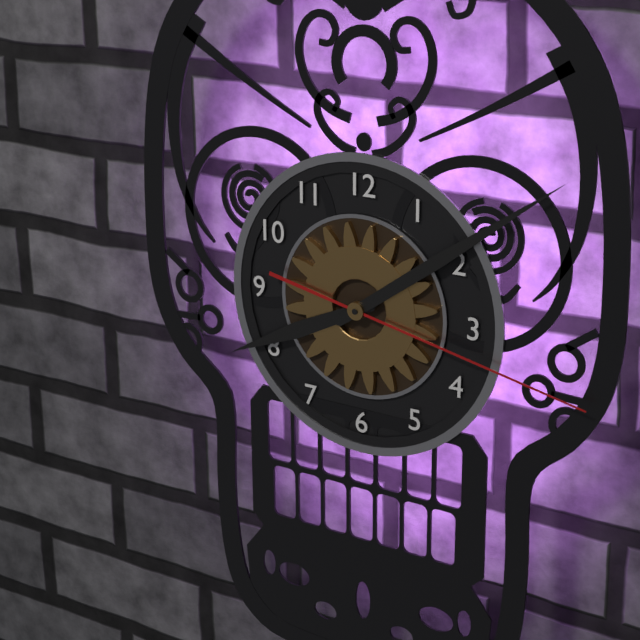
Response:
h=8 m=9 s=17
